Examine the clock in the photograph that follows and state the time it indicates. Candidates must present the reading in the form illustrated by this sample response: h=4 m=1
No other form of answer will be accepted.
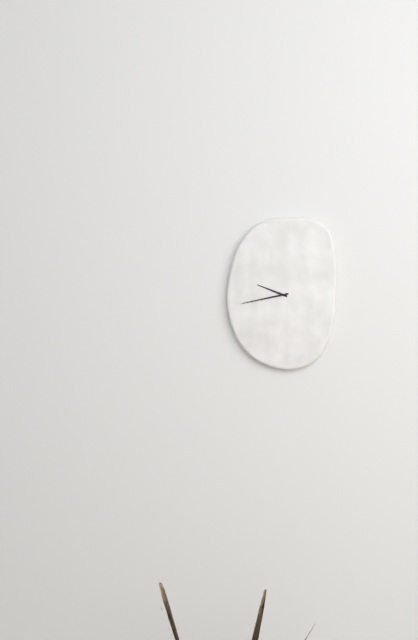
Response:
h=9 m=43
